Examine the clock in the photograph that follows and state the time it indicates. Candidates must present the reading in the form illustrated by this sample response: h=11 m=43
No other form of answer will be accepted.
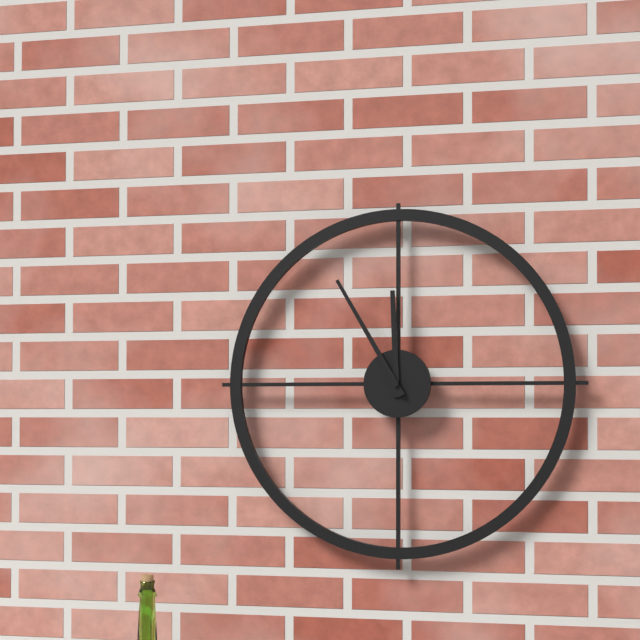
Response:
h=11 m=55
